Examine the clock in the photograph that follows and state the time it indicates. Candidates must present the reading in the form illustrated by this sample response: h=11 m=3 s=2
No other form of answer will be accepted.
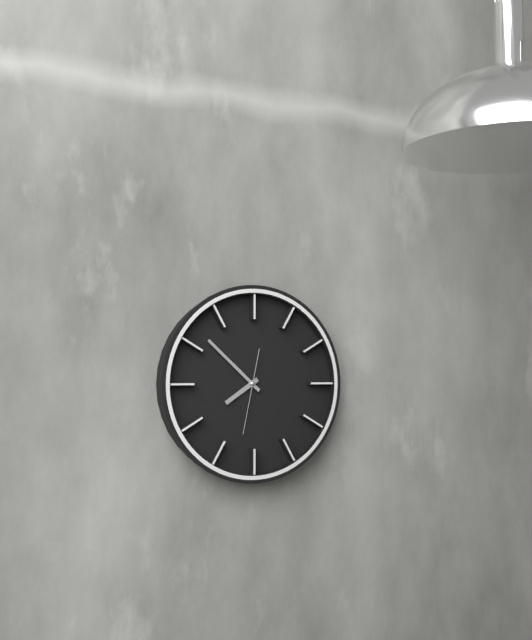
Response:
h=7 m=52 s=32
